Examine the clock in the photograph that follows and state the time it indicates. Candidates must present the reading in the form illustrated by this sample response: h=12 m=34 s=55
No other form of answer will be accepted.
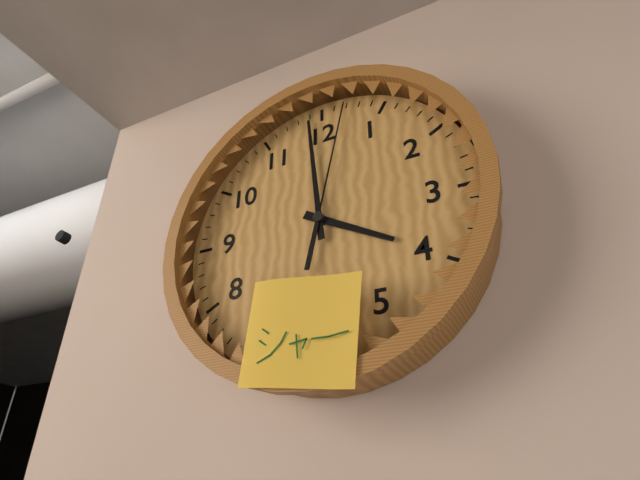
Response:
h=3 m=59 s=2
